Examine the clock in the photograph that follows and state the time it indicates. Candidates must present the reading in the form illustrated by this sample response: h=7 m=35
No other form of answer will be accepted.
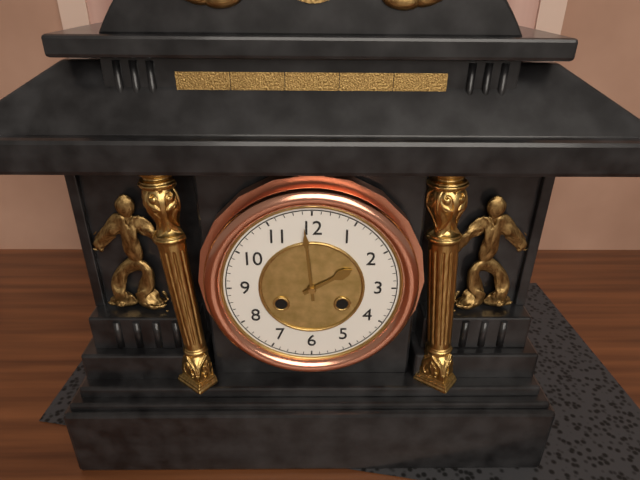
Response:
h=1 m=59
